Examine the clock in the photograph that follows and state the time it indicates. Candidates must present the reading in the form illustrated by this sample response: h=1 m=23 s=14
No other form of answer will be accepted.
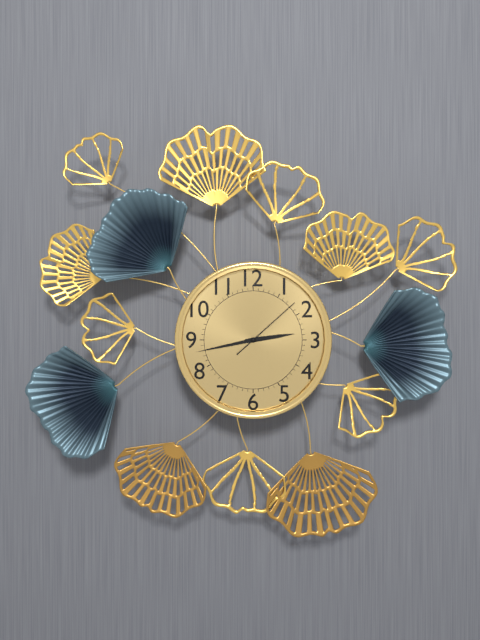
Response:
h=2 m=43 s=8
